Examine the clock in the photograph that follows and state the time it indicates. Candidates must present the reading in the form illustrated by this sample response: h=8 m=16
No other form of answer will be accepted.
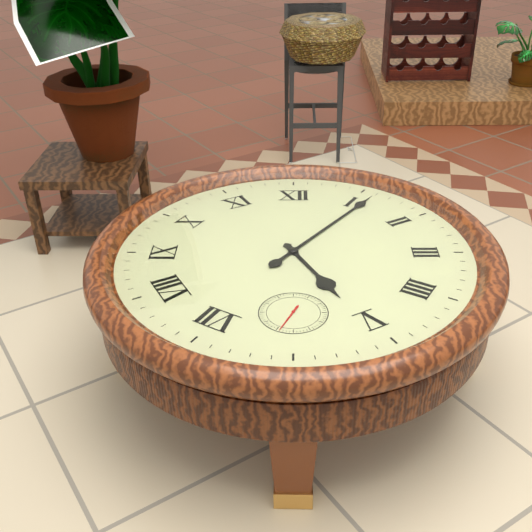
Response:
h=5 m=6
